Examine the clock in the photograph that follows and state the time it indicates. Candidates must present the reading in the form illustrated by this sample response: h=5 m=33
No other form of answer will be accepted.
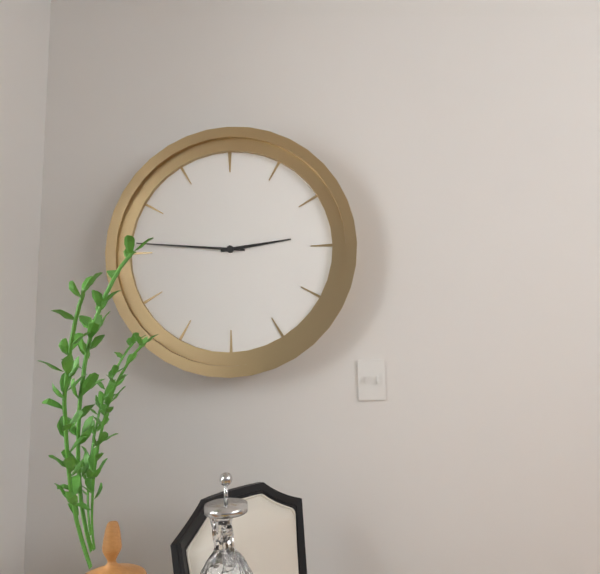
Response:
h=2 m=46
